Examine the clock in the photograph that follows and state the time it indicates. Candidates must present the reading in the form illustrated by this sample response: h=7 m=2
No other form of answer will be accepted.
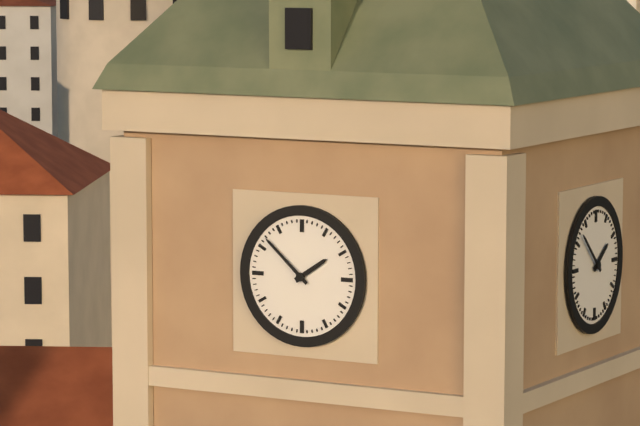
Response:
h=1 m=52
